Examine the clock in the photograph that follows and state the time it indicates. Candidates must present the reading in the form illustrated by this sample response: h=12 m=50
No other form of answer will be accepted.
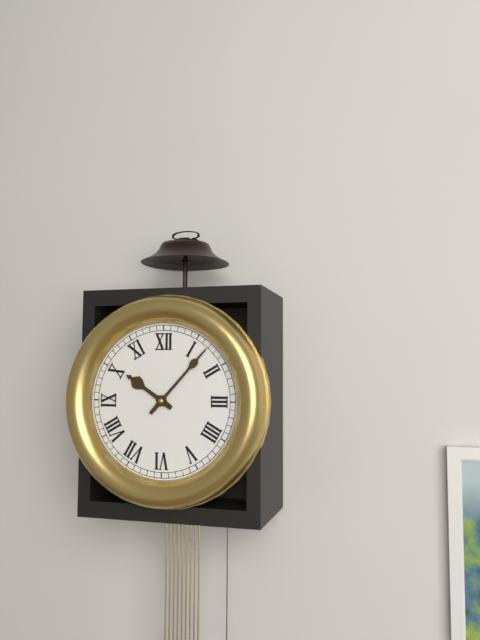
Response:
h=10 m=7
